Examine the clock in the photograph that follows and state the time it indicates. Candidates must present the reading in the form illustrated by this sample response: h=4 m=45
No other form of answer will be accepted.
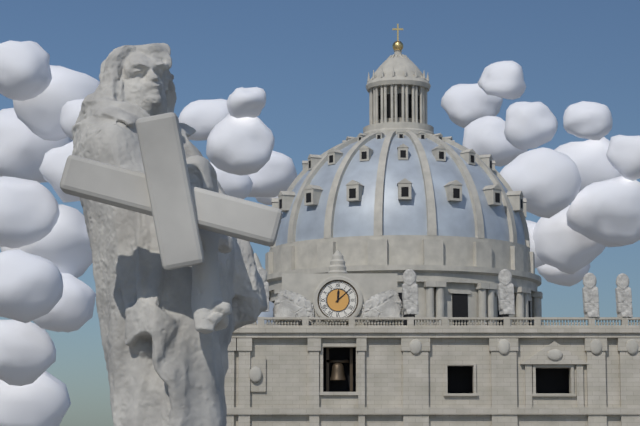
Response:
h=12 m=8
